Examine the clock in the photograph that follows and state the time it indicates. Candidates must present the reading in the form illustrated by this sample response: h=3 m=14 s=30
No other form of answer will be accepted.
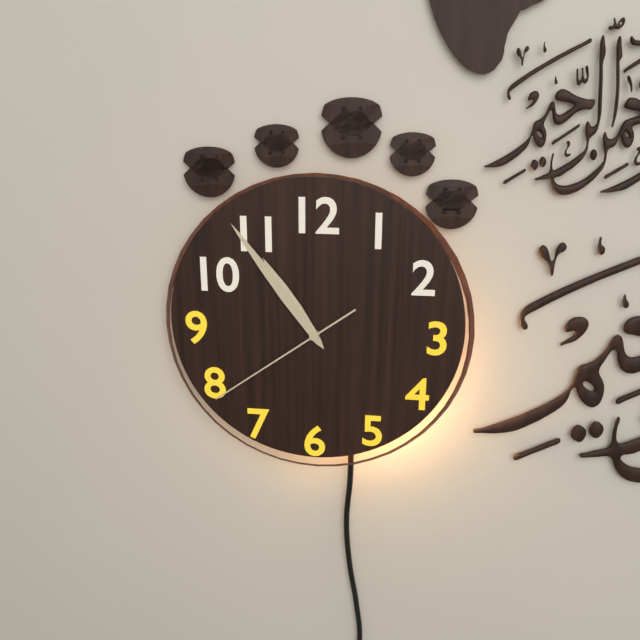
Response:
h=10 m=54 s=39
